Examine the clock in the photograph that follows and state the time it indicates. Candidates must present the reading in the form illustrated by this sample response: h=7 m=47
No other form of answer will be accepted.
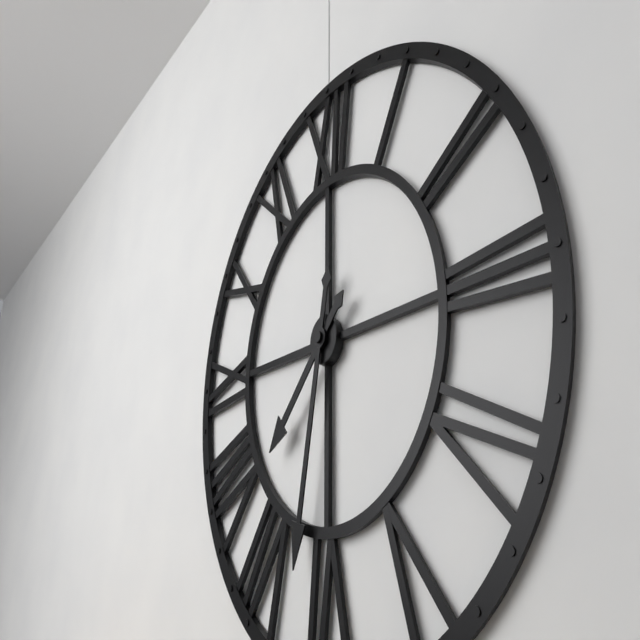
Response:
h=7 m=32
